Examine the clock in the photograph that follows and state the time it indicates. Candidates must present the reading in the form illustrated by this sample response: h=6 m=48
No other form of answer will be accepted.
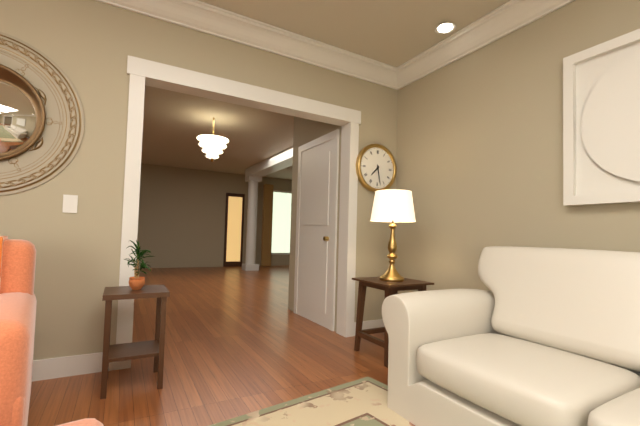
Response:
h=7 m=28
